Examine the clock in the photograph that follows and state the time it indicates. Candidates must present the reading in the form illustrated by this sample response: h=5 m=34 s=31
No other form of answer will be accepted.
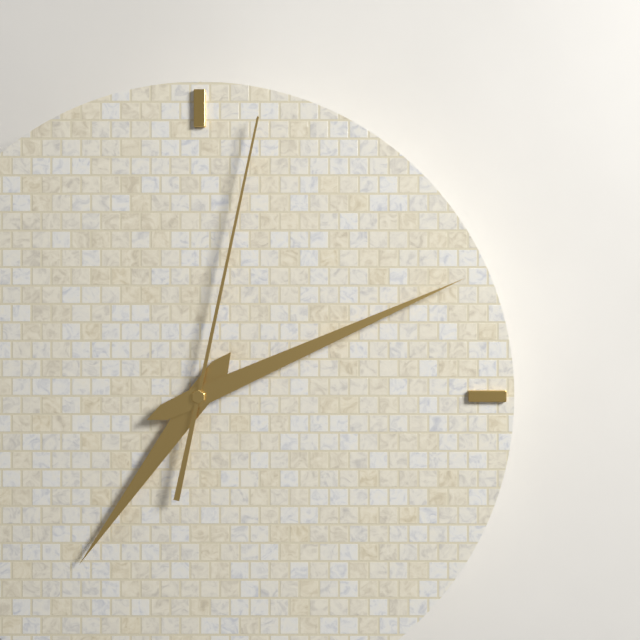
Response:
h=7 m=11 s=2
